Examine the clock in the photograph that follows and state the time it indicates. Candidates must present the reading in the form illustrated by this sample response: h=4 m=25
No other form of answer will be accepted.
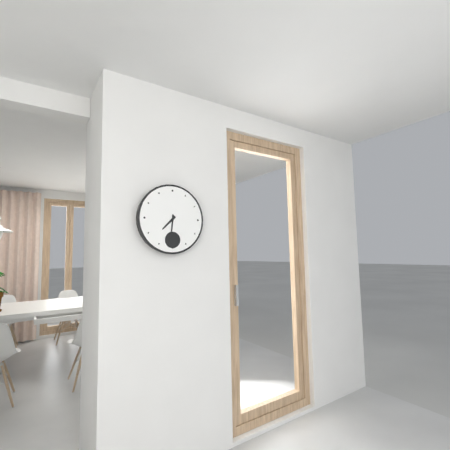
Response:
h=7 m=31
